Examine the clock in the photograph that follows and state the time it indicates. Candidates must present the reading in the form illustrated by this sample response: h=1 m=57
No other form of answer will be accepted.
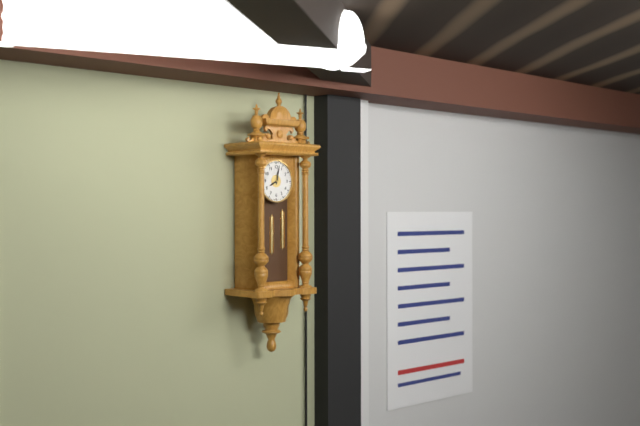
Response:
h=8 m=2
